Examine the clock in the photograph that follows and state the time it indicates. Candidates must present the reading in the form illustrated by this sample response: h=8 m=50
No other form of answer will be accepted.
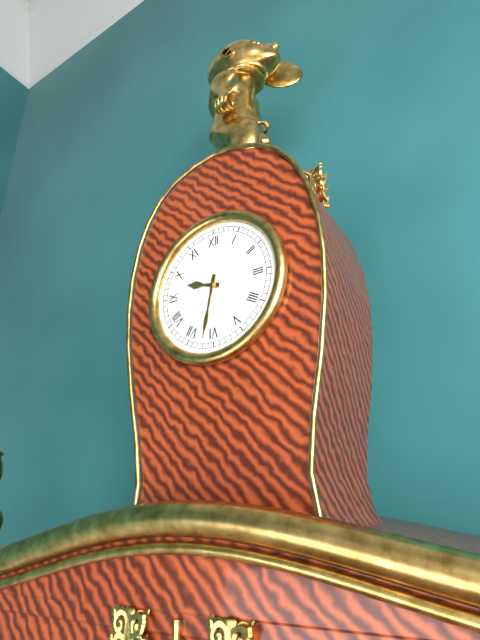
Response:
h=9 m=32
